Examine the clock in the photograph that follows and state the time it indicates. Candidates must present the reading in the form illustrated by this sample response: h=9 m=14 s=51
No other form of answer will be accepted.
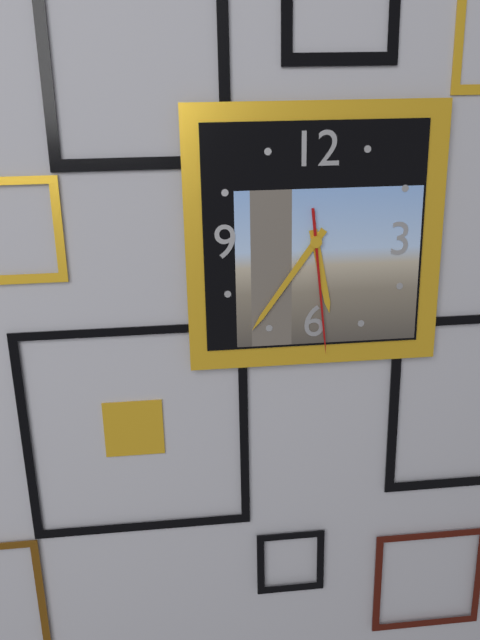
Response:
h=5 m=36 s=29
